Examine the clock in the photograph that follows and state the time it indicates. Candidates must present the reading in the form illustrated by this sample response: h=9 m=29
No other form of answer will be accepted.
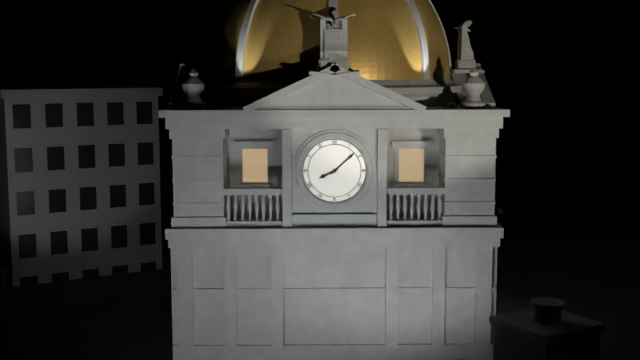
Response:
h=8 m=8
